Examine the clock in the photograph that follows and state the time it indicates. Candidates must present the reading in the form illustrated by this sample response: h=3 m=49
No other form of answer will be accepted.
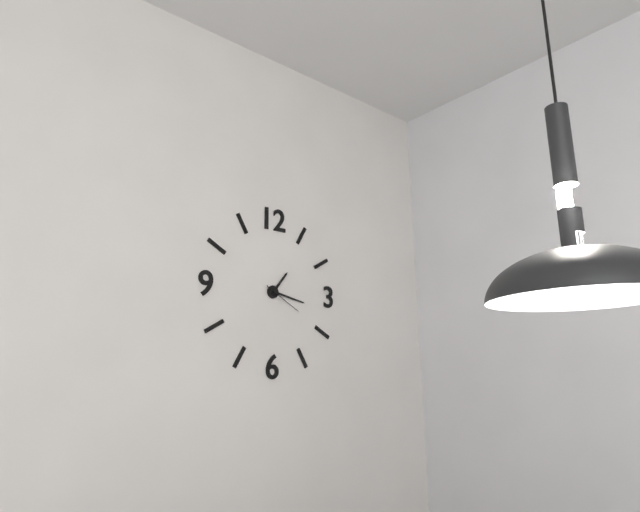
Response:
h=1 m=17
